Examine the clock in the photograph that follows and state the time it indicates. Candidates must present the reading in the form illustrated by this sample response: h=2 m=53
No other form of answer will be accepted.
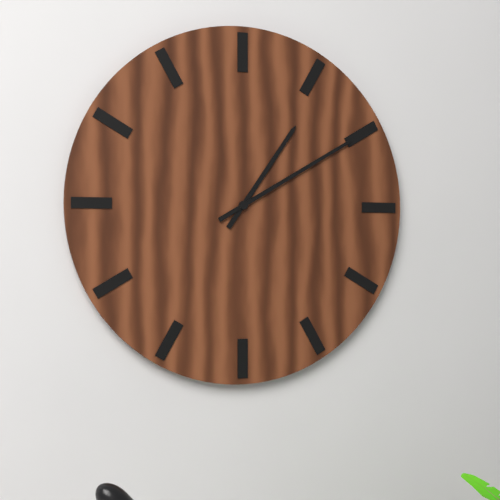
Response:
h=1 m=10
